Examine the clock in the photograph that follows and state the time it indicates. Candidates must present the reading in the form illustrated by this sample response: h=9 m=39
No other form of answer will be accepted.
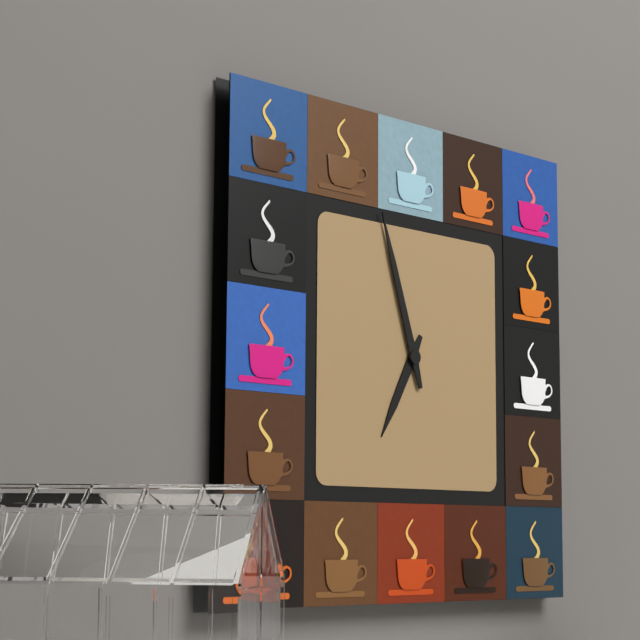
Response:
h=6 m=57
